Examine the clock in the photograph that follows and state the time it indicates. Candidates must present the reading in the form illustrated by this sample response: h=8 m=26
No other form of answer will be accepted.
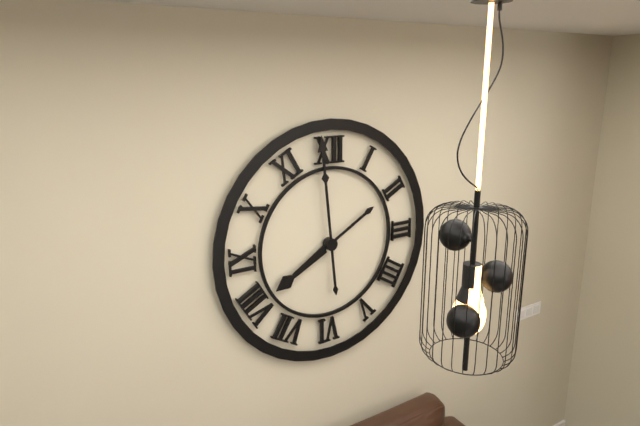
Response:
h=7 m=59
